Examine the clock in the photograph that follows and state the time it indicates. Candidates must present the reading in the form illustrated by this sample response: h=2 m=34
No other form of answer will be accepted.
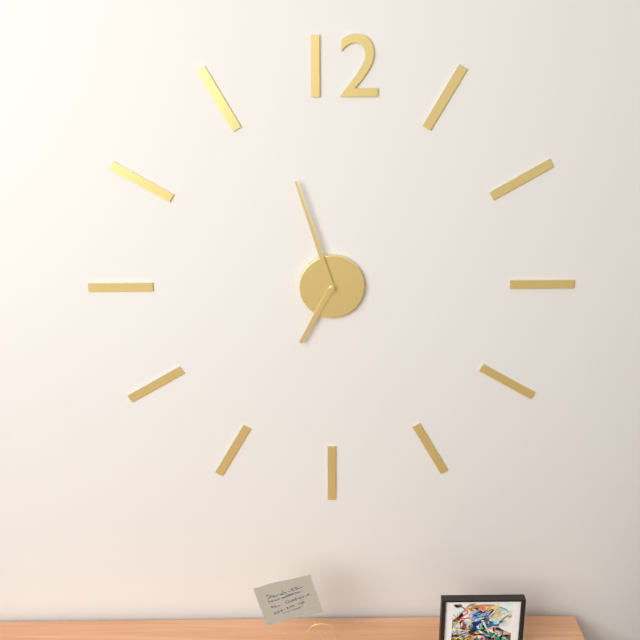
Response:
h=6 m=57
